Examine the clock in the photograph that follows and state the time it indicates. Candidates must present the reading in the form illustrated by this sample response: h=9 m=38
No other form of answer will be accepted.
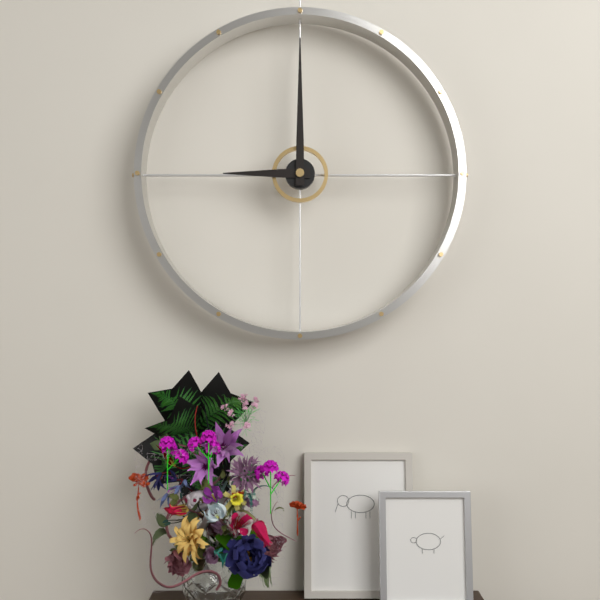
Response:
h=9 m=0
